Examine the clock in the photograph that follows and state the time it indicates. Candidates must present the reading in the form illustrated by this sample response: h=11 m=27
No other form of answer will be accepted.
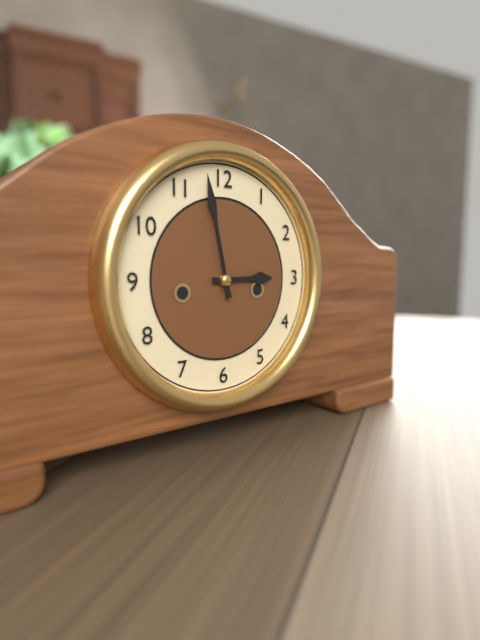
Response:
h=2 m=58
